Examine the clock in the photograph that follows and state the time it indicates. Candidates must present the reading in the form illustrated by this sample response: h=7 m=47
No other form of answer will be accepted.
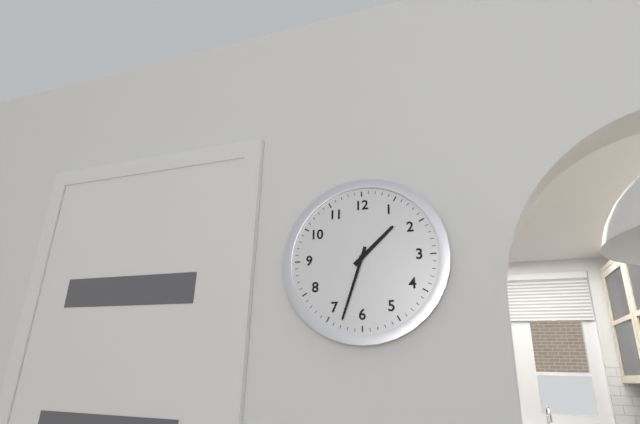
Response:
h=1 m=33
